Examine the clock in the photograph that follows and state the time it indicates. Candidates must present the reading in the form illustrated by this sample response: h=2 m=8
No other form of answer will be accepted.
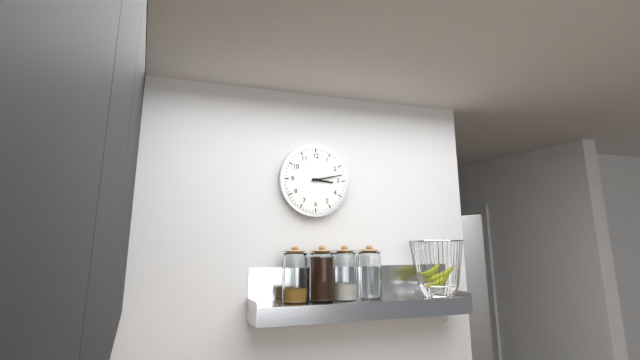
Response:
h=3 m=13
